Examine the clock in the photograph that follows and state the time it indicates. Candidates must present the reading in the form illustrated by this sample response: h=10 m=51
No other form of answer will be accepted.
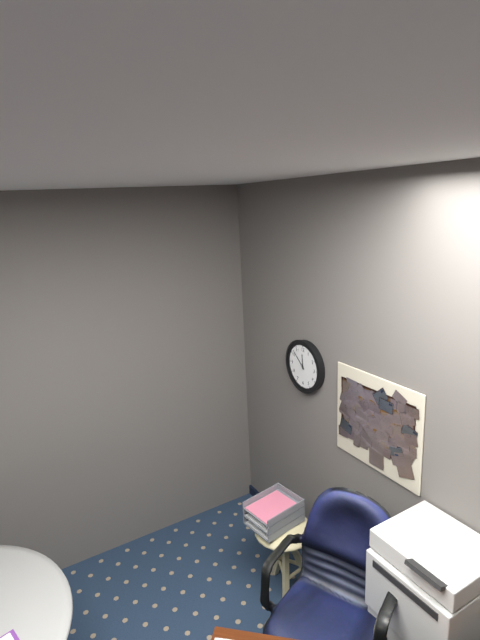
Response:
h=11 m=52
